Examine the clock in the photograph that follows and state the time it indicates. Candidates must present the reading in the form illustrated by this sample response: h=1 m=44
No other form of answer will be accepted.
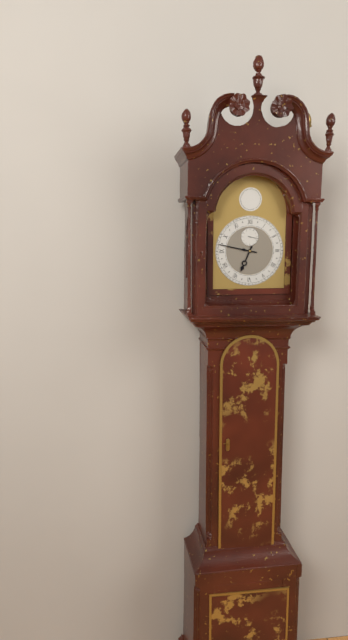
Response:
h=6 m=47
